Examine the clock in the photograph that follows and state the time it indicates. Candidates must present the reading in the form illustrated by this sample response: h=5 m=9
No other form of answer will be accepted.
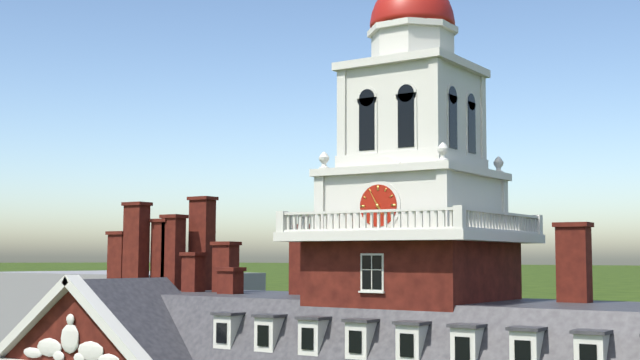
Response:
h=4 m=55
